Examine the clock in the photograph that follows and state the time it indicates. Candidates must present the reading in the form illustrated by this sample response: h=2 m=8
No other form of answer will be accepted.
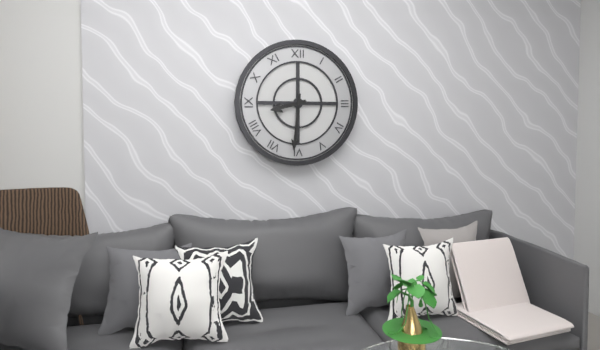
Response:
h=8 m=31
